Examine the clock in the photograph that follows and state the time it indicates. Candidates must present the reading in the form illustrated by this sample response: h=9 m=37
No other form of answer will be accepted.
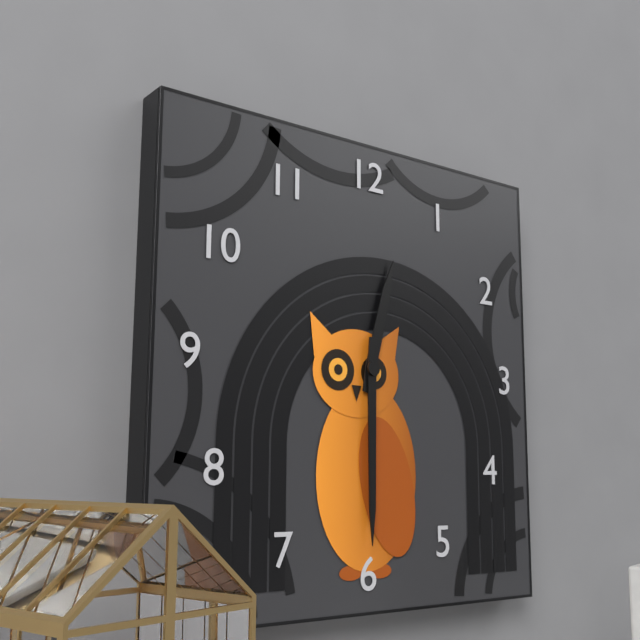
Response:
h=12 m=30
